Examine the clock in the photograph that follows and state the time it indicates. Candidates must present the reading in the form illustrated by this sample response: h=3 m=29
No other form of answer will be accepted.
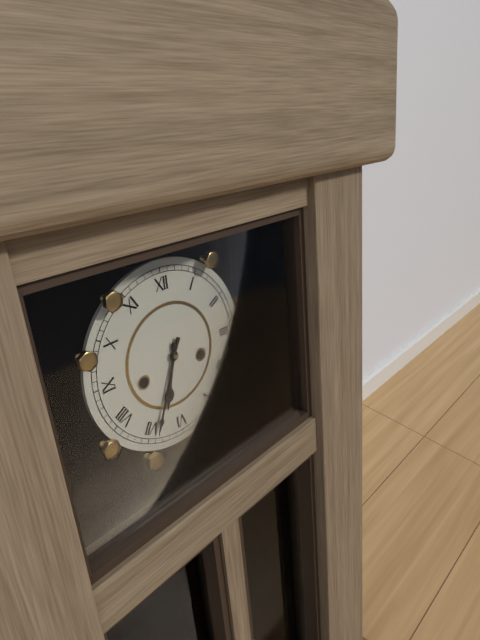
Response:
h=6 m=34
